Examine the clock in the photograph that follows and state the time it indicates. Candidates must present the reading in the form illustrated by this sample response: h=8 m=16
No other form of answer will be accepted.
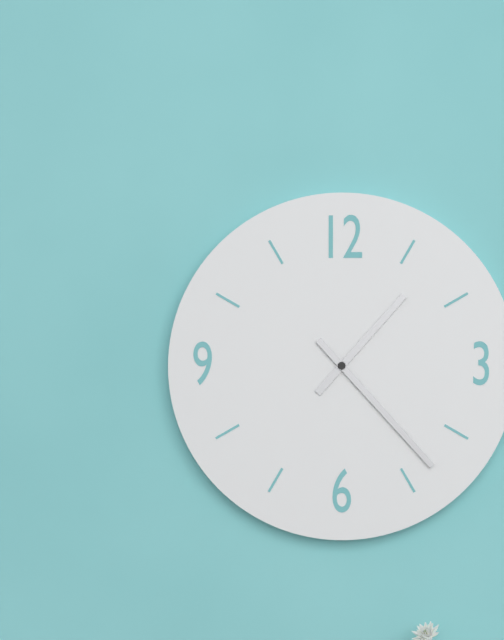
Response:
h=1 m=23
